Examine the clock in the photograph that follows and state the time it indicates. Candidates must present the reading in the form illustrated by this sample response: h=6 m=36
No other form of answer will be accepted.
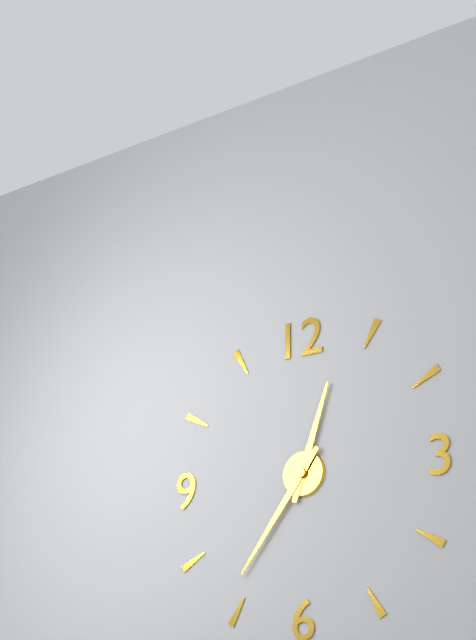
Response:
h=12 m=36
